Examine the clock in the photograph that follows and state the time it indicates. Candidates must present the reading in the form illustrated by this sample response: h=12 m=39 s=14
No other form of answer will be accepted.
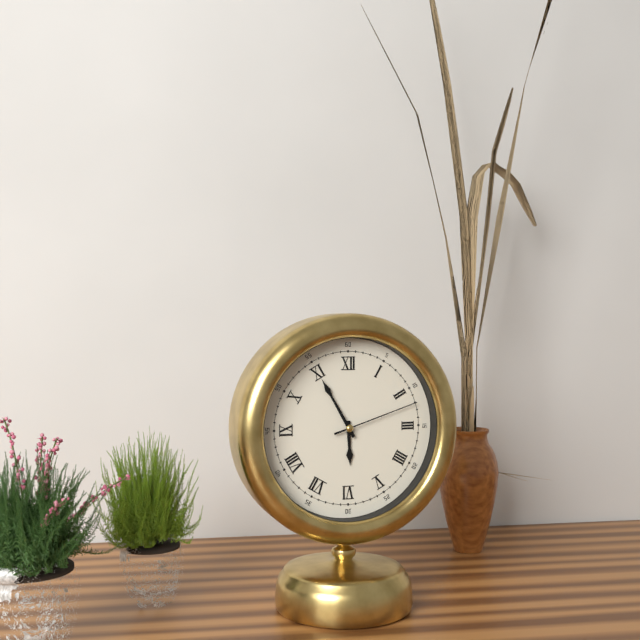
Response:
h=5 m=55 s=12
